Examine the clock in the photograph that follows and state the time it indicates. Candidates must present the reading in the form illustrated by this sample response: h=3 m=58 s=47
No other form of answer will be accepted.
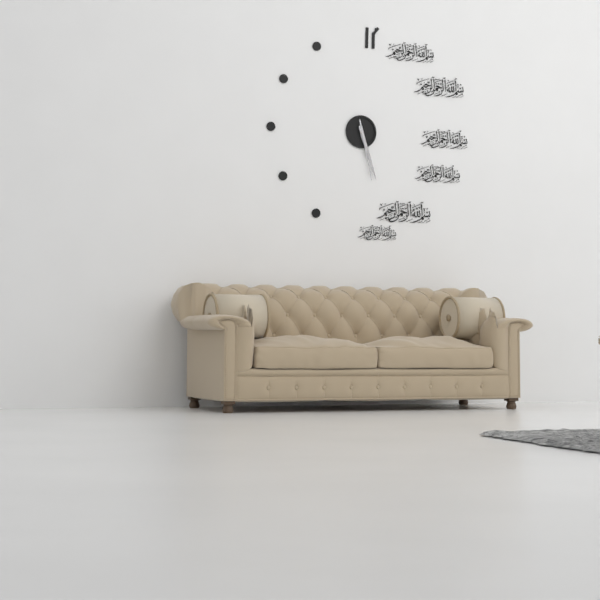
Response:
h=5 m=27 s=28
